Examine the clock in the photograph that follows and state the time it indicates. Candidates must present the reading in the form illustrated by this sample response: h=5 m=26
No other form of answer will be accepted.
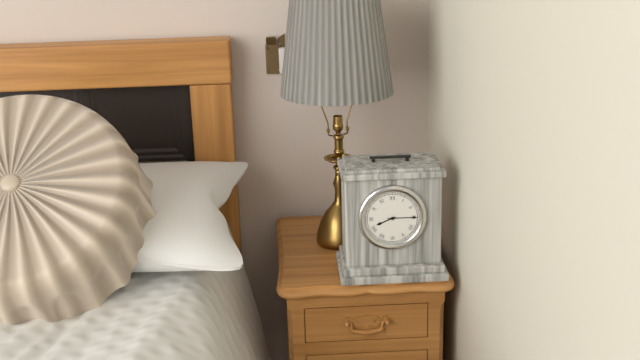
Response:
h=8 m=15
